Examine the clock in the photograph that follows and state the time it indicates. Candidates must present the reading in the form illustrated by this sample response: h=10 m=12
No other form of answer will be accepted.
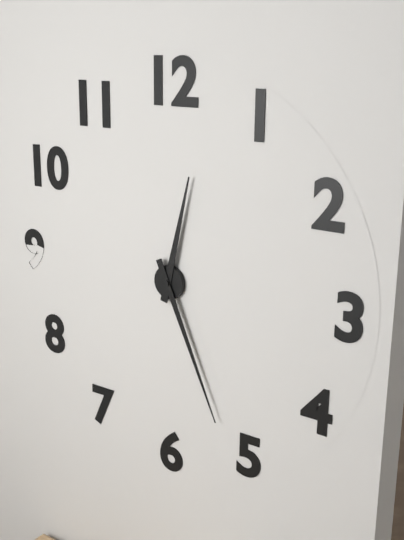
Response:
h=12 m=26
